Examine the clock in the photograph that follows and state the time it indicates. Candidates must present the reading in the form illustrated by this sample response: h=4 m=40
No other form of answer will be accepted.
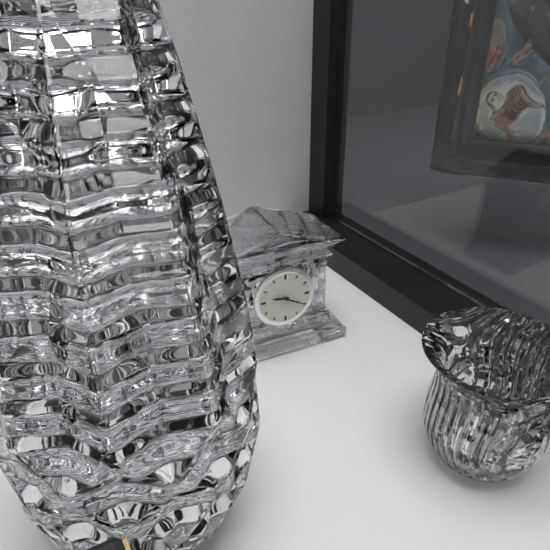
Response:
h=9 m=20
